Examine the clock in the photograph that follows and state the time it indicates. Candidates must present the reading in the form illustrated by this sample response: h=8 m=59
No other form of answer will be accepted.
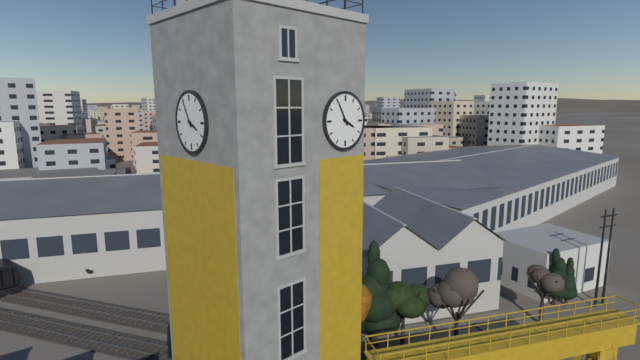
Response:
h=3 m=55
